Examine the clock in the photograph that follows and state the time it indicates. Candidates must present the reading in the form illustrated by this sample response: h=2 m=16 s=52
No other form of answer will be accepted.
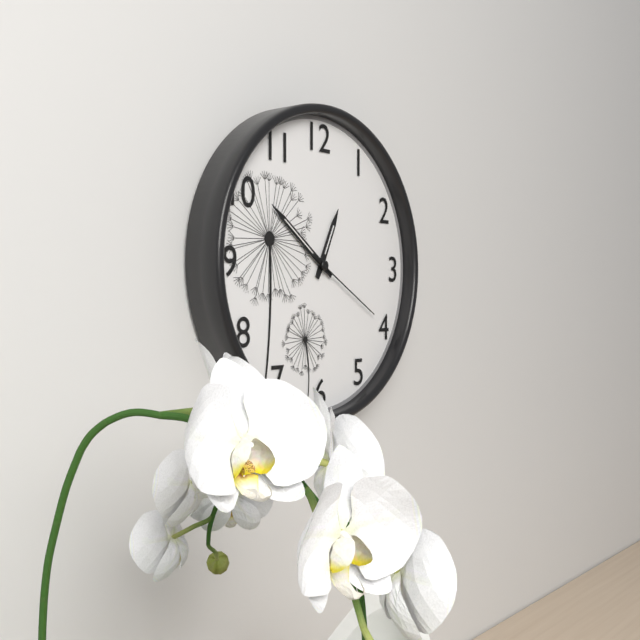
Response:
h=12 m=51 s=20
